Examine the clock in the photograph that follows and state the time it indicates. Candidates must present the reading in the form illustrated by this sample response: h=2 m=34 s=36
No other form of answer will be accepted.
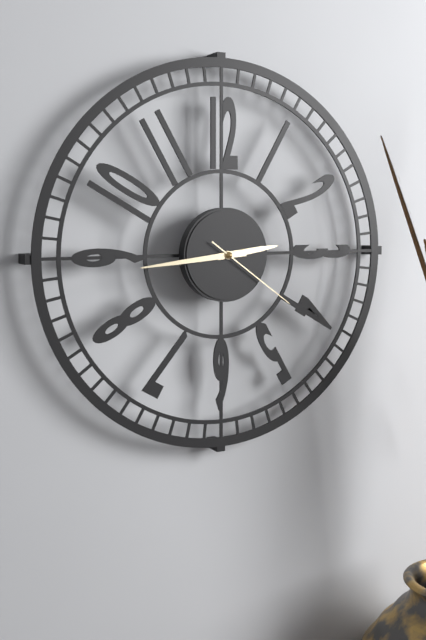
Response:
h=2 m=44 s=21
